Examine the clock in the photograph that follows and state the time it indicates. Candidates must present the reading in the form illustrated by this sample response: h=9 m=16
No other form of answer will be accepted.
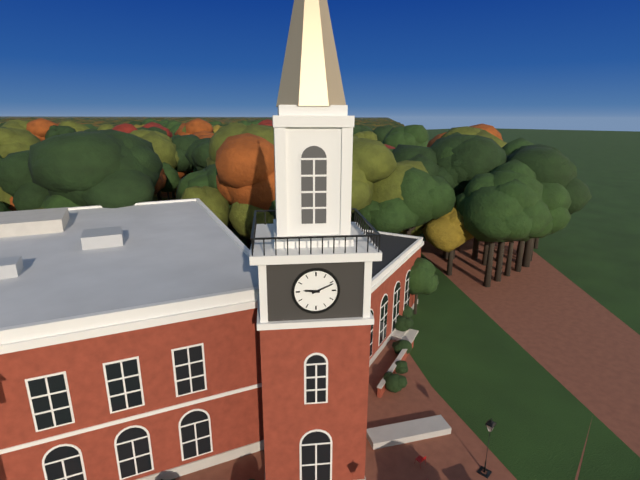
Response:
h=9 m=11
